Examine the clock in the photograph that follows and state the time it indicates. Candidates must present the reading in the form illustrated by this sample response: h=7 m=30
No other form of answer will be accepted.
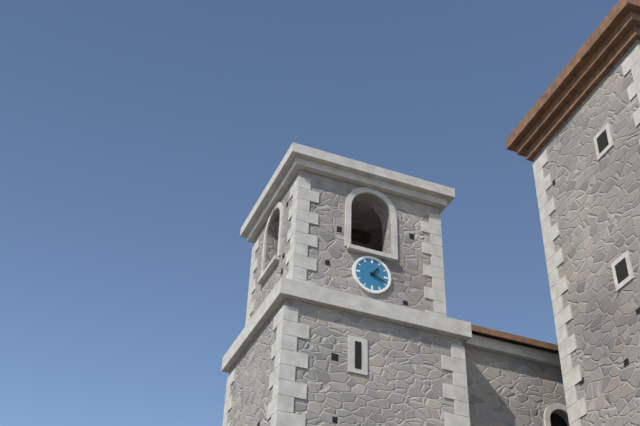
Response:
h=1 m=19
